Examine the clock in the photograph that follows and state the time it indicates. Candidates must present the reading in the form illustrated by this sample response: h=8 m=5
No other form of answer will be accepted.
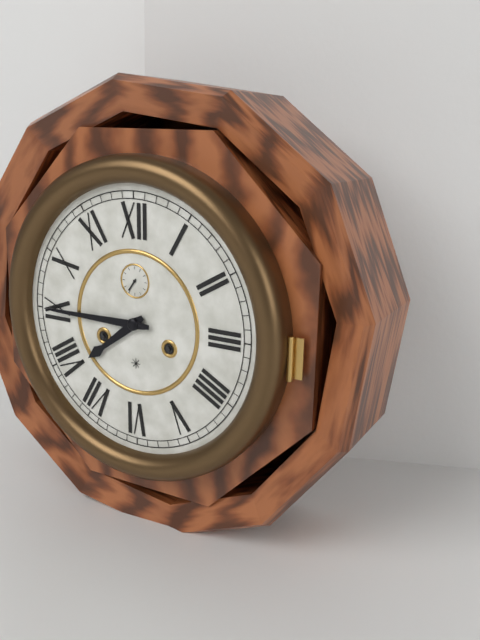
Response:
h=7 m=45
